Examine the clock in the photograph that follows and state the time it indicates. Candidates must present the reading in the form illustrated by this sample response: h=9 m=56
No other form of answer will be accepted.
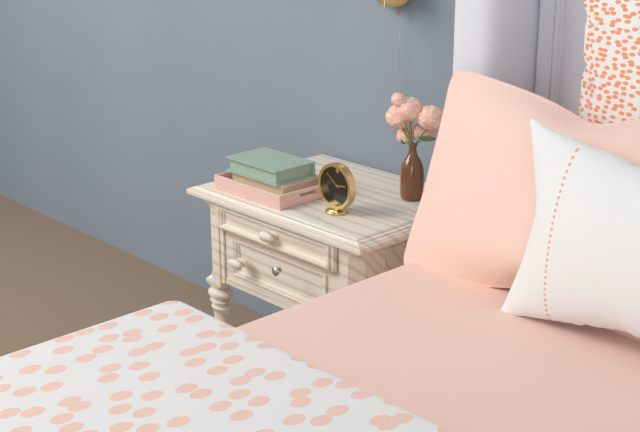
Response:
h=2 m=51
